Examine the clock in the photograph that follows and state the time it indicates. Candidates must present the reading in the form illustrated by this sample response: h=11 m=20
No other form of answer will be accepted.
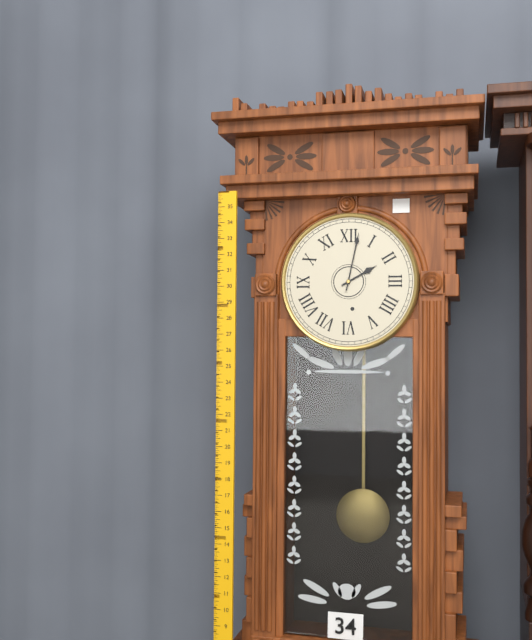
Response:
h=2 m=2
